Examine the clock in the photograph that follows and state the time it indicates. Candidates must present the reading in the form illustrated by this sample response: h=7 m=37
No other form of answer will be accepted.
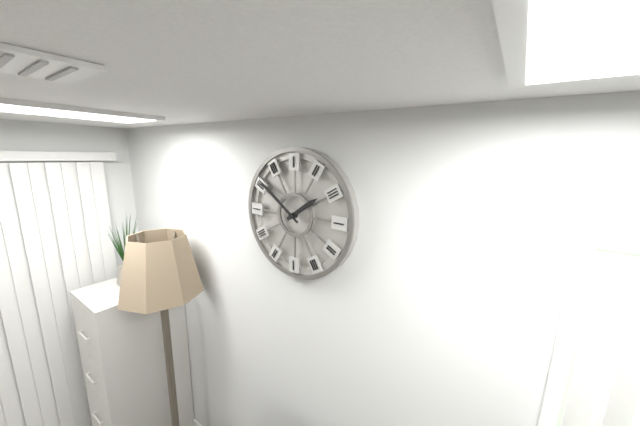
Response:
h=1 m=51
